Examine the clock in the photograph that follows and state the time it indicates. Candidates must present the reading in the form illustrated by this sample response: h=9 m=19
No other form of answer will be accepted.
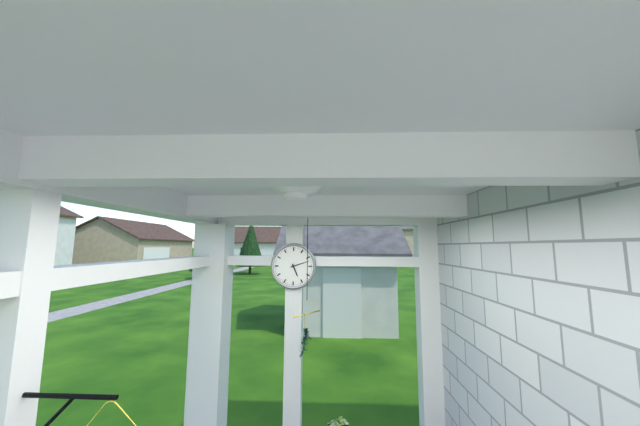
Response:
h=5 m=12
